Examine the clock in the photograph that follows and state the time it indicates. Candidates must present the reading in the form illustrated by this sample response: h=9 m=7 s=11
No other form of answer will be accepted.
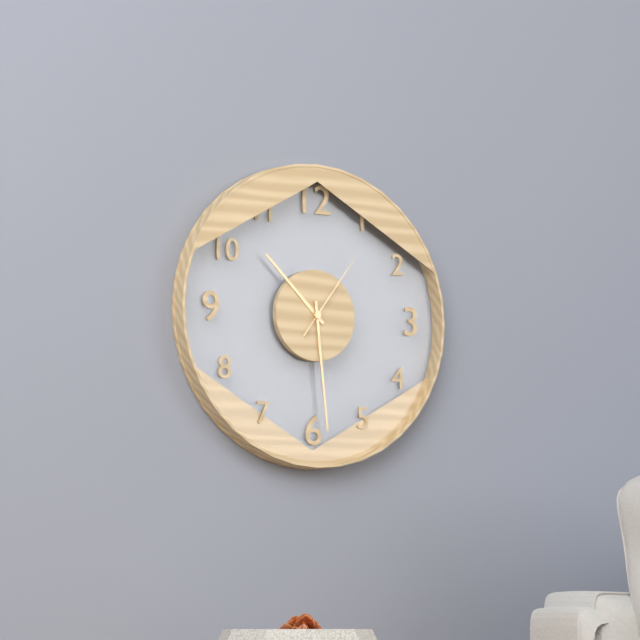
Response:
h=10 m=29 s=6
